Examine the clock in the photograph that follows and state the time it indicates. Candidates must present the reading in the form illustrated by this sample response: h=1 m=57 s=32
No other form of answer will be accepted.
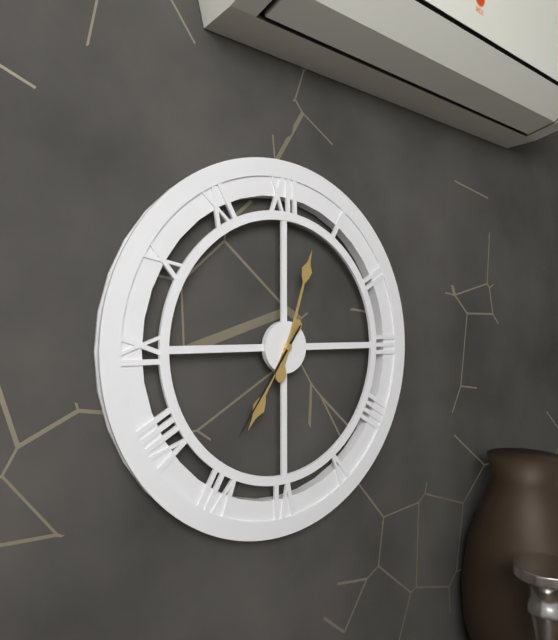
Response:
h=7 m=3 s=36
